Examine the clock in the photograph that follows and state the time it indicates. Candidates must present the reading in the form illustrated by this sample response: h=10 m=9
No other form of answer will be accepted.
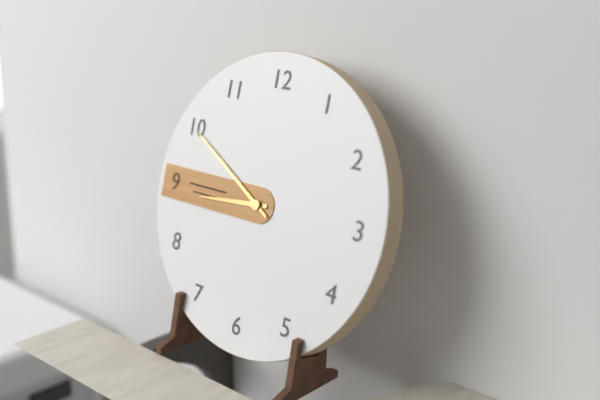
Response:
h=8 m=50
